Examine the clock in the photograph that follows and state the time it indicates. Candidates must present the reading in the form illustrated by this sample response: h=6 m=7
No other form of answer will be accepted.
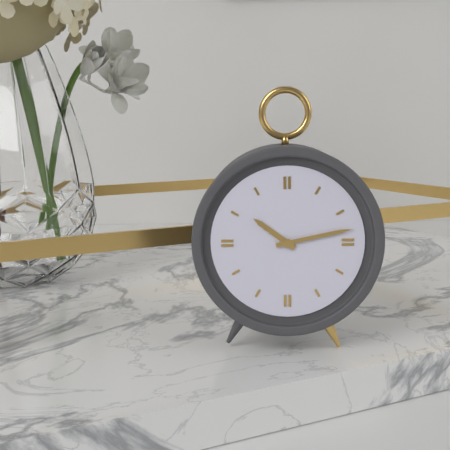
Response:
h=10 m=13
